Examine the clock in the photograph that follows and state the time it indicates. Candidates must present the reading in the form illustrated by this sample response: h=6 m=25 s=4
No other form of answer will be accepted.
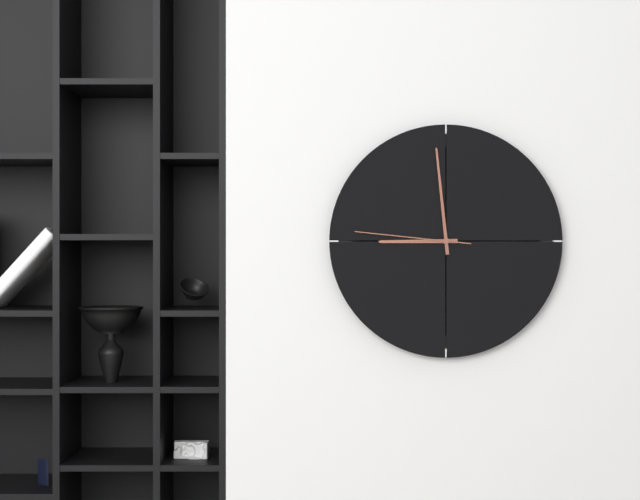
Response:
h=8 m=59 s=46
